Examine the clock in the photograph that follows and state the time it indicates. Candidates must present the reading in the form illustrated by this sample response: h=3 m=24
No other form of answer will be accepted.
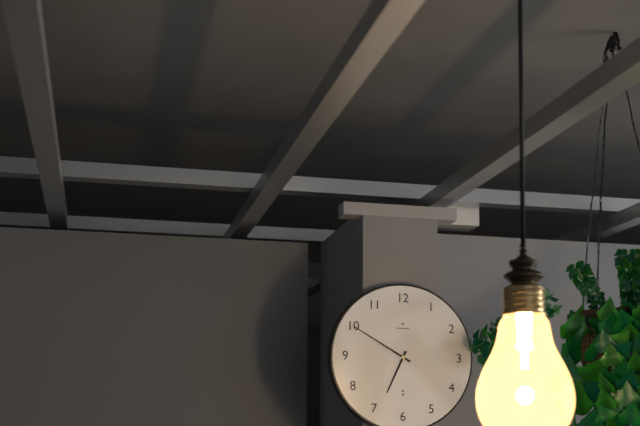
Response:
h=6 m=50
